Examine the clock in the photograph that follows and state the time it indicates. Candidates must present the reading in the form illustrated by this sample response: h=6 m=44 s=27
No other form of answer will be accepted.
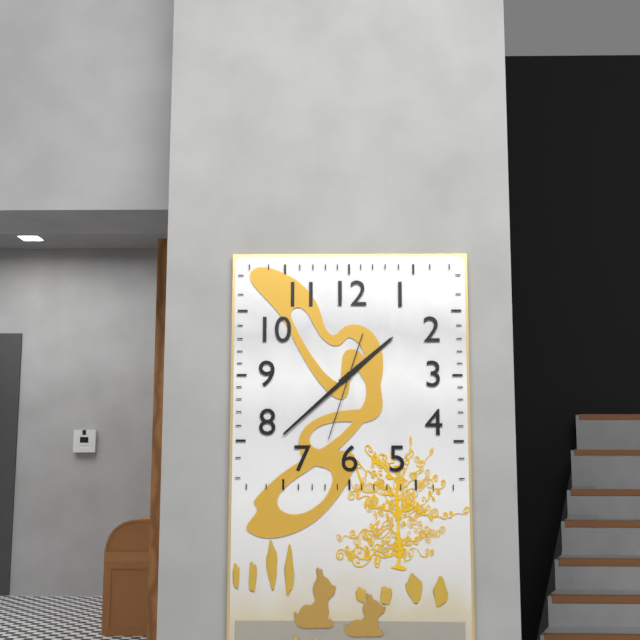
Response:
h=1 m=38 s=33
